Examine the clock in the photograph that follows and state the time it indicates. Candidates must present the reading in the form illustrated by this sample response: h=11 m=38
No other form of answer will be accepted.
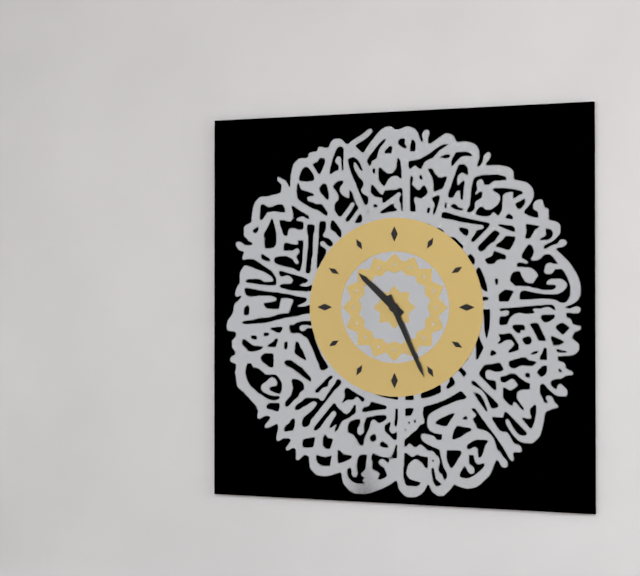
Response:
h=10 m=26
